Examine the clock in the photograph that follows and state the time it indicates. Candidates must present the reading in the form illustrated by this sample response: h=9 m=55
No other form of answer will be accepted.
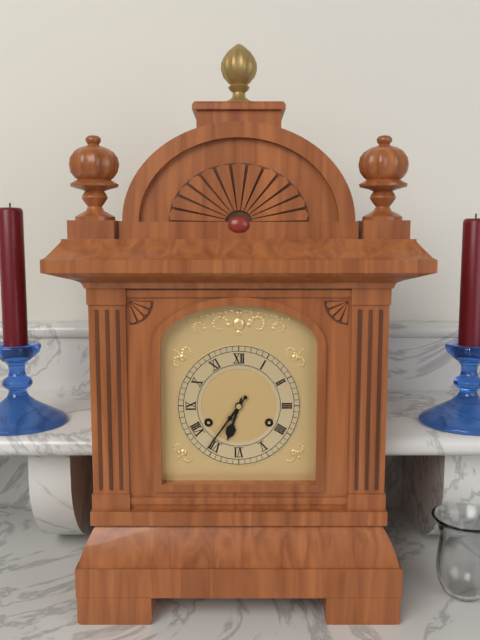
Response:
h=6 m=36
